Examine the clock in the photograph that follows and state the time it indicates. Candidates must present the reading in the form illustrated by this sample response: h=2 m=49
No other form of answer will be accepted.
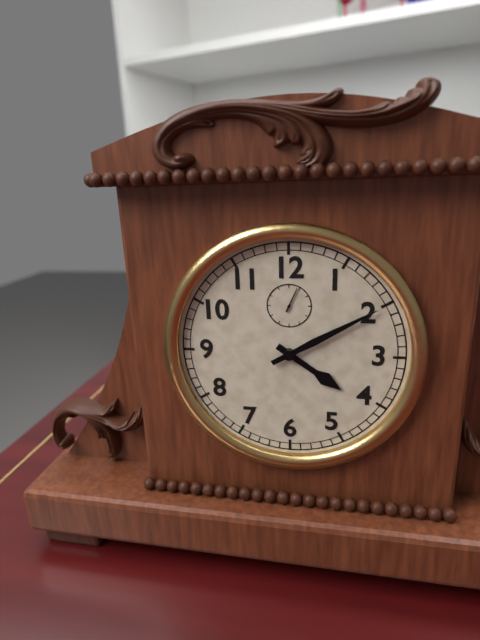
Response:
h=4 m=10
